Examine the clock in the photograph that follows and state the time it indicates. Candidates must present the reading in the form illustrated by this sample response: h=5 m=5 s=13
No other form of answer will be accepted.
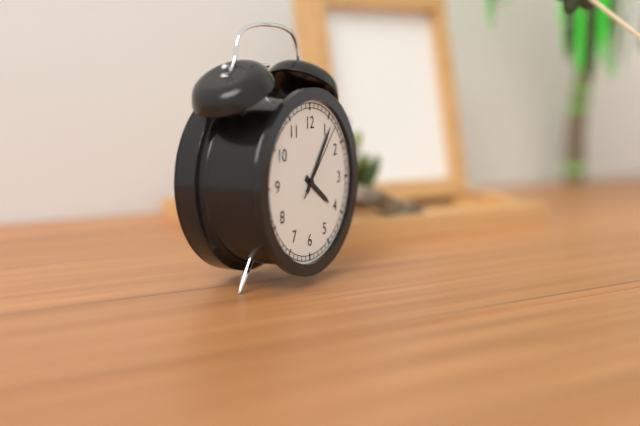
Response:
h=4 m=6 s=7
